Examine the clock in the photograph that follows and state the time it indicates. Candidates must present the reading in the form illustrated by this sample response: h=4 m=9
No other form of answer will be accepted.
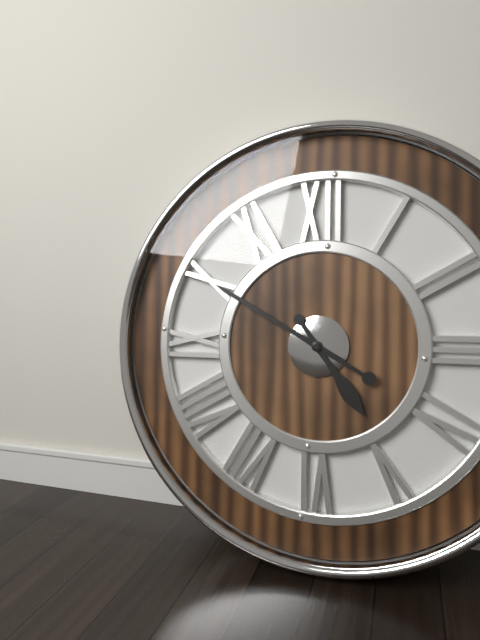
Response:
h=4 m=50
